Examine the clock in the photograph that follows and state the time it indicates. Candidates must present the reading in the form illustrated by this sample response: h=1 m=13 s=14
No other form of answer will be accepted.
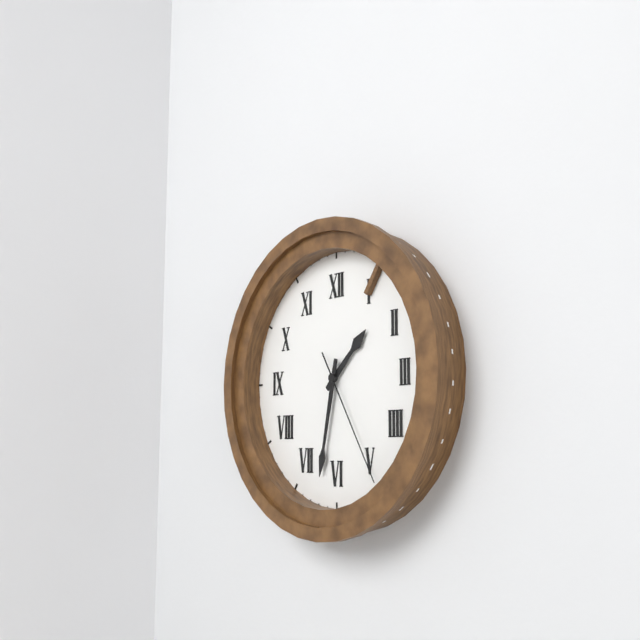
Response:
h=1 m=32 s=25
